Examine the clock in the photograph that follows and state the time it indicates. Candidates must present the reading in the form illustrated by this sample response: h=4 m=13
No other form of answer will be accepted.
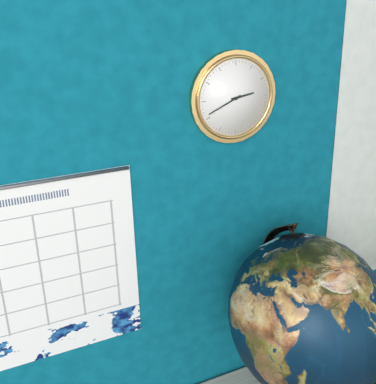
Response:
h=2 m=41
